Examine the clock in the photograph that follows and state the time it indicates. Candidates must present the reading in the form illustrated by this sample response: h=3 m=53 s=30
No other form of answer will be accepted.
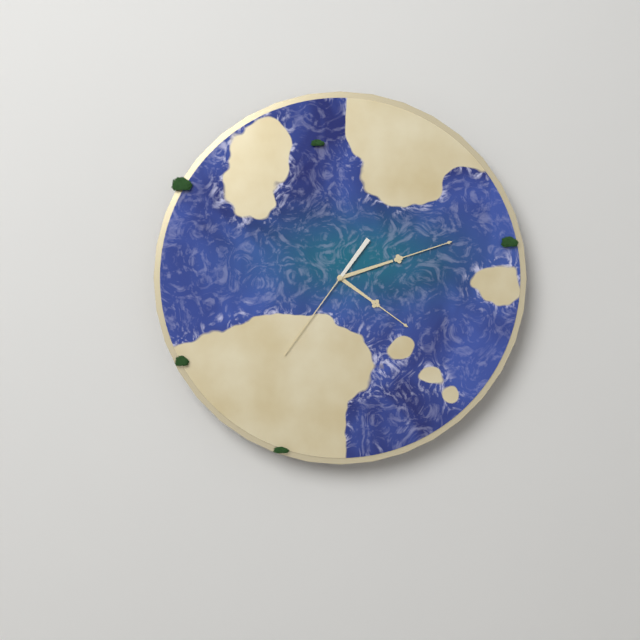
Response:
h=4 m=12 s=36
